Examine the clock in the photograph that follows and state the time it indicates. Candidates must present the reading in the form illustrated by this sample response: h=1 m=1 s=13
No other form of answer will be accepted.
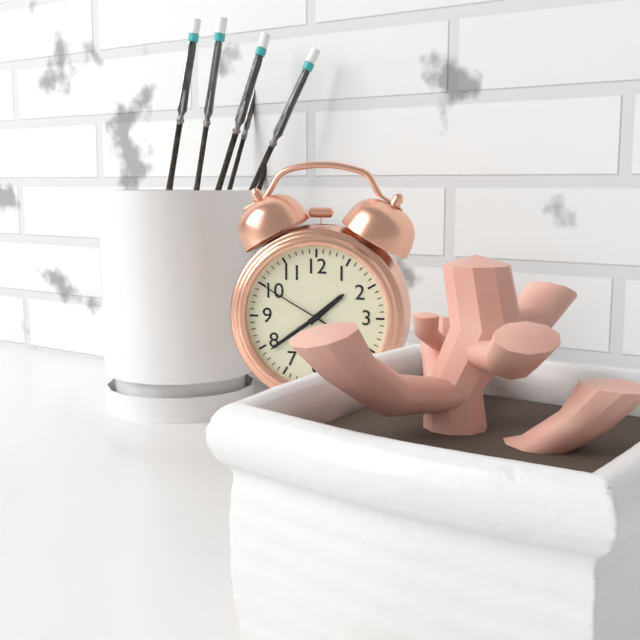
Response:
h=1 m=39 s=50
